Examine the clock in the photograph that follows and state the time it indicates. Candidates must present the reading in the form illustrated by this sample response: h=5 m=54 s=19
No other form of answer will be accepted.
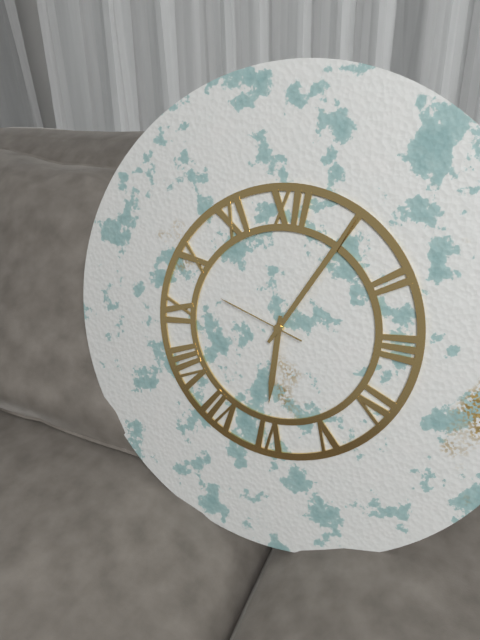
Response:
h=6 m=5 s=48
